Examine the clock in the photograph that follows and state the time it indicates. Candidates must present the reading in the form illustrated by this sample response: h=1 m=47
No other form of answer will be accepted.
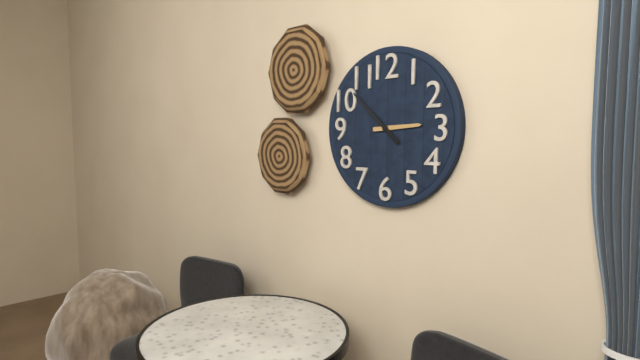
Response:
h=2 m=52
